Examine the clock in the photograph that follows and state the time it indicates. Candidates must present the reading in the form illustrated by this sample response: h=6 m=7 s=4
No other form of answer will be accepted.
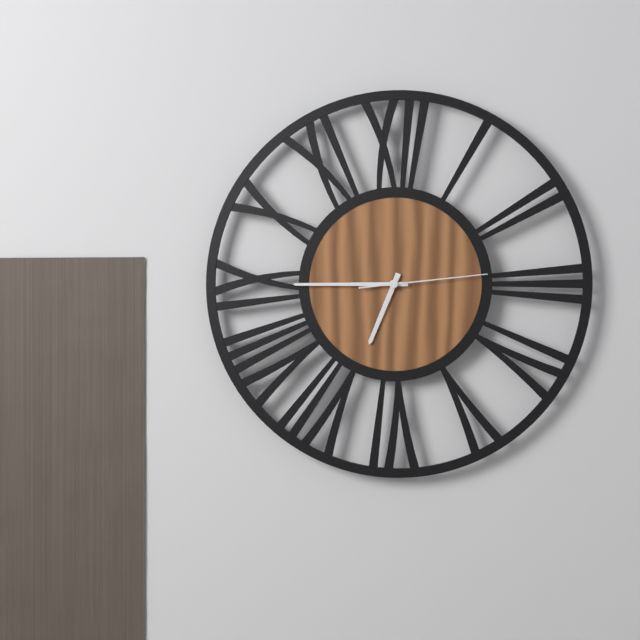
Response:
h=6 m=45 s=14
